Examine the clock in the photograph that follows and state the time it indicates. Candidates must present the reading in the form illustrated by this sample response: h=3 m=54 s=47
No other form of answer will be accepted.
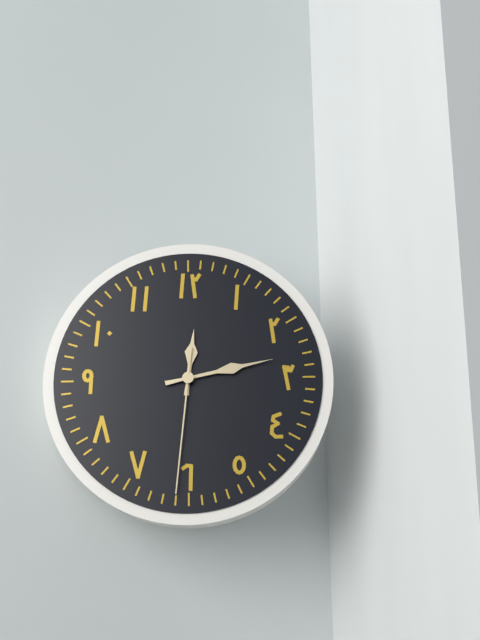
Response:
h=12 m=13 s=31
